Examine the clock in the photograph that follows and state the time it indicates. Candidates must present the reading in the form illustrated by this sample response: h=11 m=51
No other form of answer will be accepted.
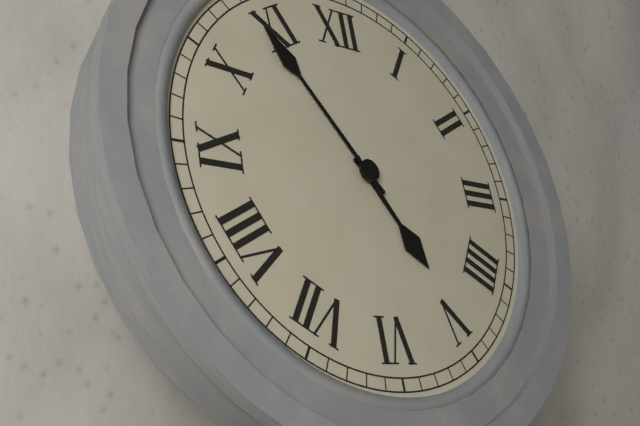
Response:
h=4 m=54
